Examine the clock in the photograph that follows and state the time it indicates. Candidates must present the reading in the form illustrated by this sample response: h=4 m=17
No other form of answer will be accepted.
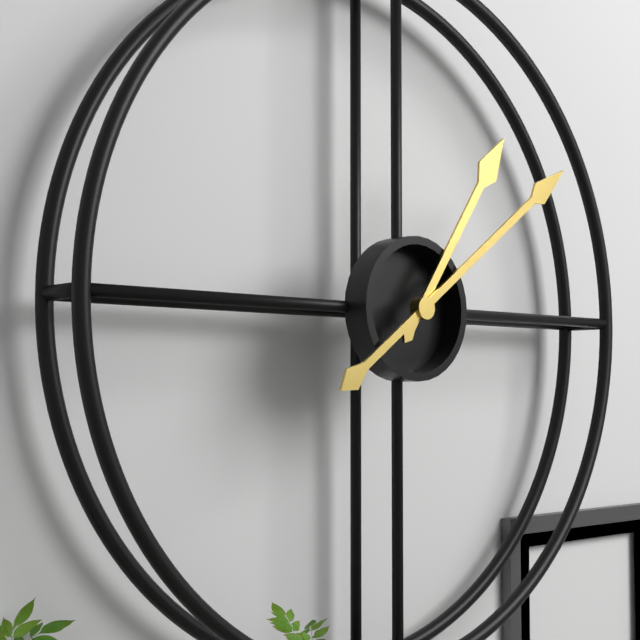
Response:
h=1 m=9
